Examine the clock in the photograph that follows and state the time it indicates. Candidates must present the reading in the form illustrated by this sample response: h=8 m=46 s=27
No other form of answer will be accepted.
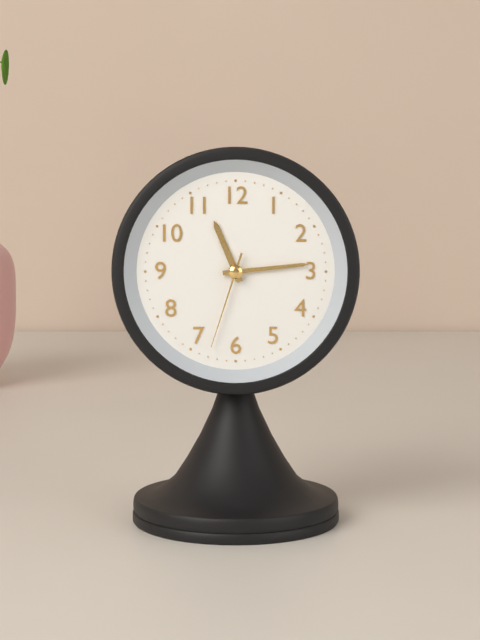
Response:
h=11 m=14 s=33
